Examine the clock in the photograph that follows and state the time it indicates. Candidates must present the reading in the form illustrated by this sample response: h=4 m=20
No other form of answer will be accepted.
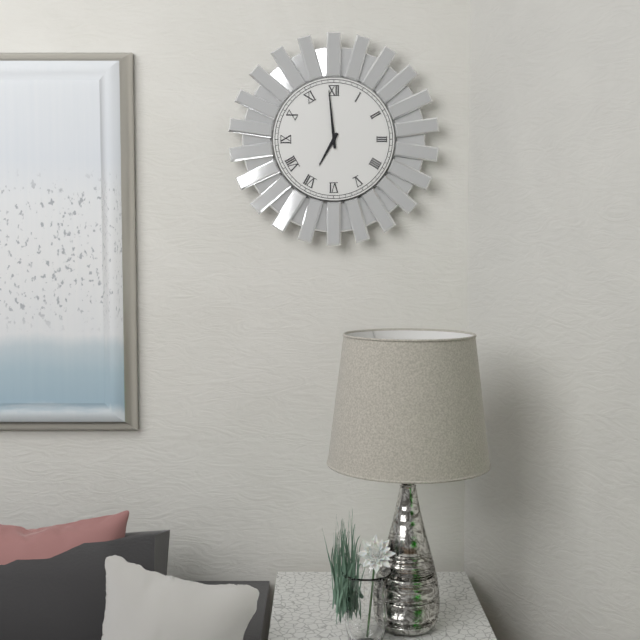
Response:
h=6 m=59
